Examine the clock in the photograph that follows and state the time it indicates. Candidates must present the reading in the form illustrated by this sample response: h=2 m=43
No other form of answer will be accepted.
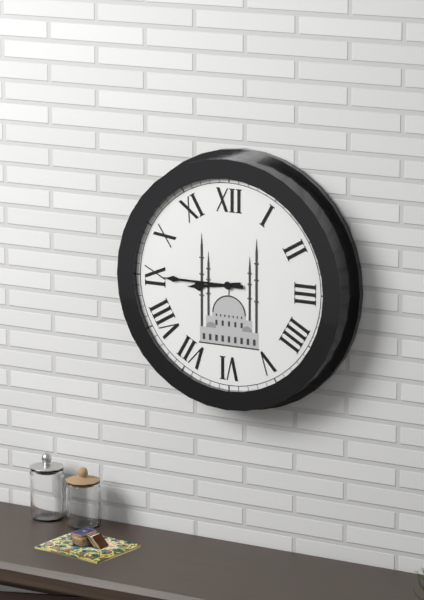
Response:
h=8 m=45
